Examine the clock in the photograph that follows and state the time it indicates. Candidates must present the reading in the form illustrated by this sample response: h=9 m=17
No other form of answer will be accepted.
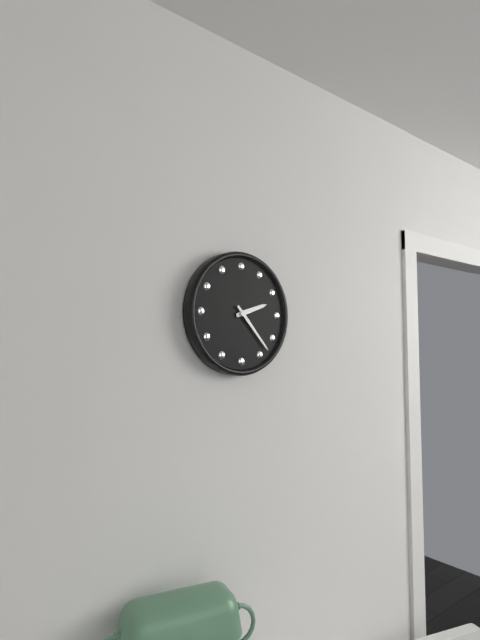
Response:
h=2 m=23
